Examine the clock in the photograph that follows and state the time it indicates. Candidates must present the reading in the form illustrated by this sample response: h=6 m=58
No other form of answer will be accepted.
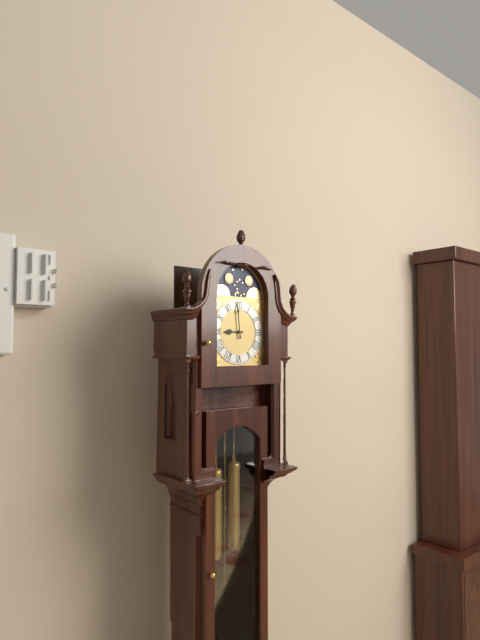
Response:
h=8 m=59
